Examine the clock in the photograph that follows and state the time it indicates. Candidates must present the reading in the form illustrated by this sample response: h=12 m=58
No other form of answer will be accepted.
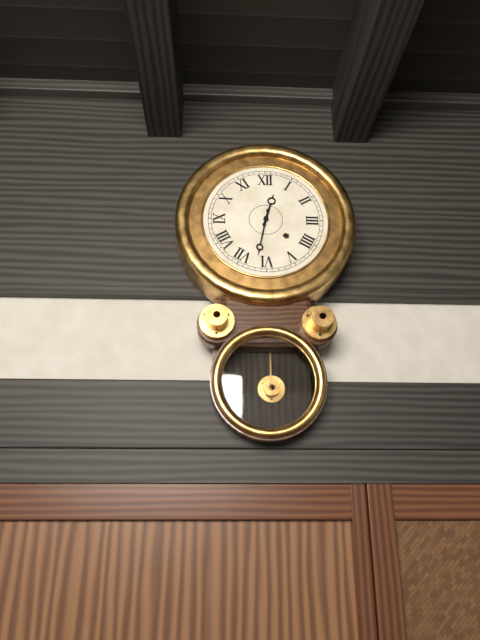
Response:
h=12 m=32
